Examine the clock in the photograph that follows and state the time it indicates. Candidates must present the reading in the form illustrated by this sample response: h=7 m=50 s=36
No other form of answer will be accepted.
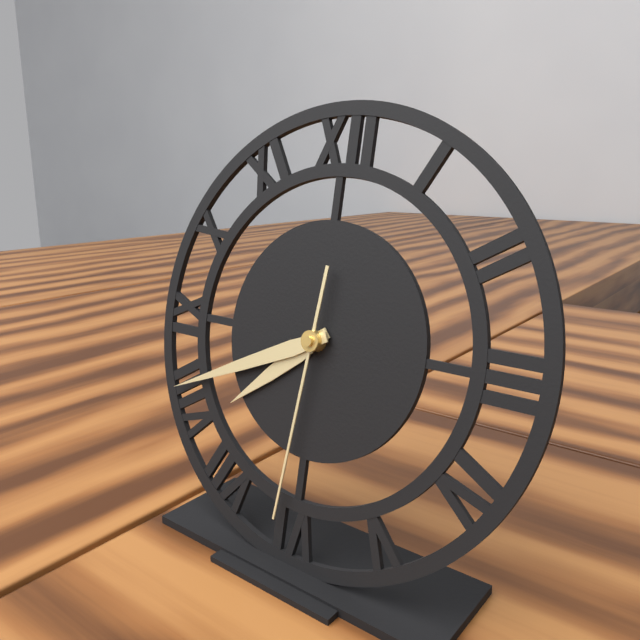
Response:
h=7 m=41 s=31
